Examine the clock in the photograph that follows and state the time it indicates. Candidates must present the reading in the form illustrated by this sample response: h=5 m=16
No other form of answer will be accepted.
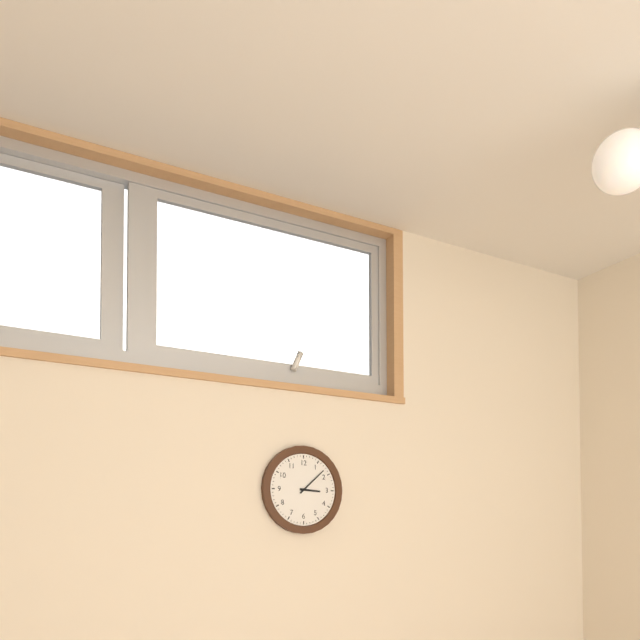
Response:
h=3 m=8
